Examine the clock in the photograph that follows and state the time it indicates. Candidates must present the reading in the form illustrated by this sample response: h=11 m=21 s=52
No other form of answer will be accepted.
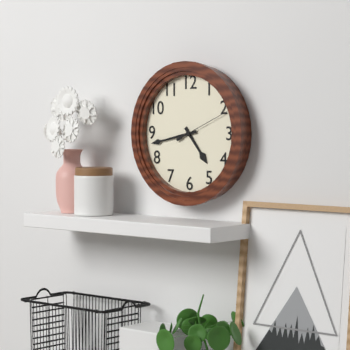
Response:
h=4 m=43 s=11
